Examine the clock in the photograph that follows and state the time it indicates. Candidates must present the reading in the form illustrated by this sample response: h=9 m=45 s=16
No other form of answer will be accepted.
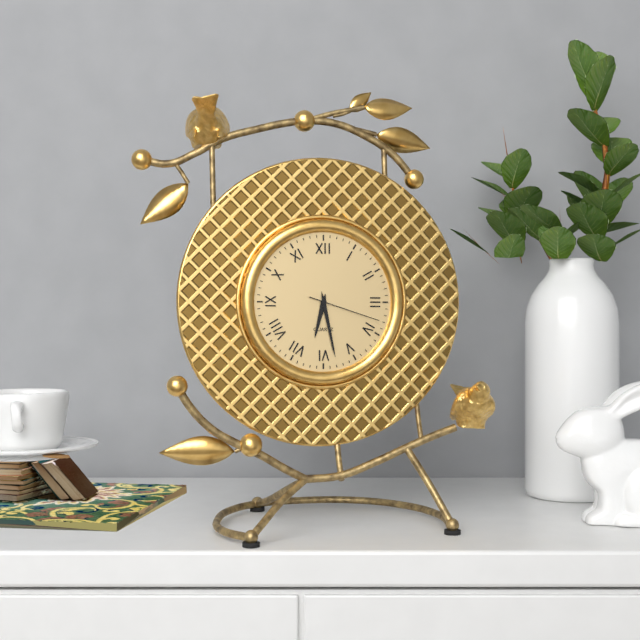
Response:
h=6 m=28 s=18
